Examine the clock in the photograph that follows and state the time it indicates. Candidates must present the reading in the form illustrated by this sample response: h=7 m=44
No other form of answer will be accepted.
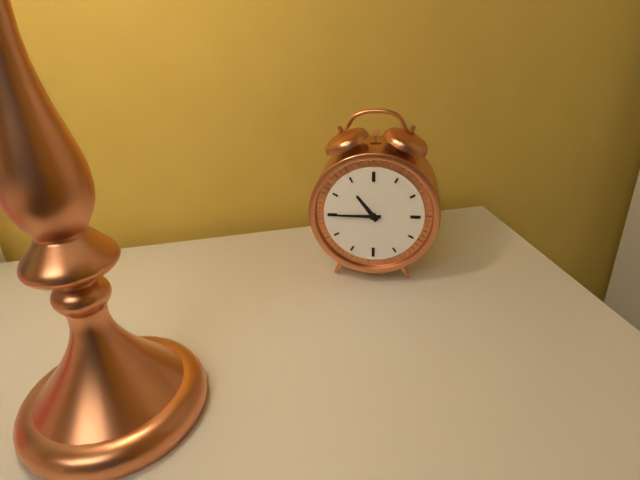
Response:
h=10 m=45
